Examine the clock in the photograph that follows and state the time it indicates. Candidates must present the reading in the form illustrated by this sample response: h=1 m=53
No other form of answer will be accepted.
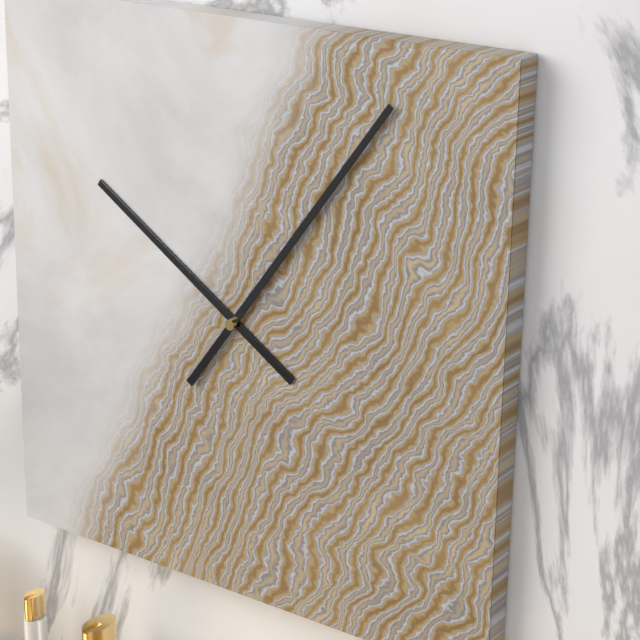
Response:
h=10 m=6
